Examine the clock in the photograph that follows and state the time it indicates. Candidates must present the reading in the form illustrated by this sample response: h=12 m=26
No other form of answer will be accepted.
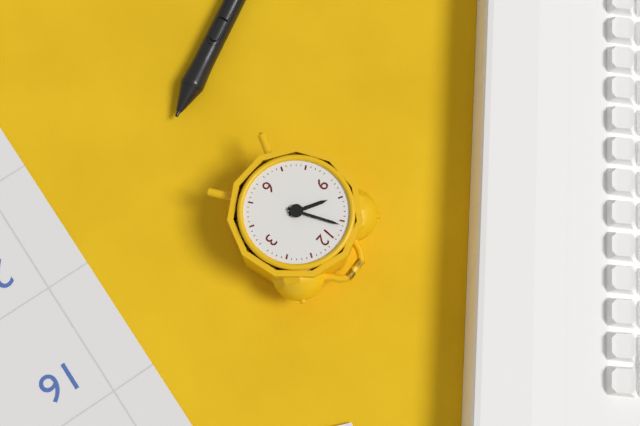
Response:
h=9 m=56
